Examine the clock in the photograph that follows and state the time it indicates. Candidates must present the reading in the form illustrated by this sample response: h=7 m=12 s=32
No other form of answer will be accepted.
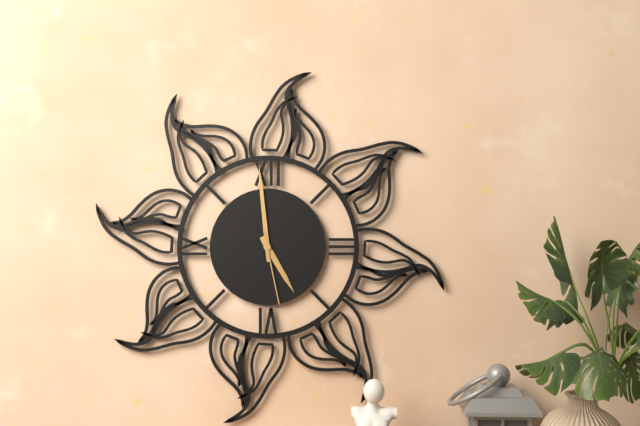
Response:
h=4 m=59 s=28
